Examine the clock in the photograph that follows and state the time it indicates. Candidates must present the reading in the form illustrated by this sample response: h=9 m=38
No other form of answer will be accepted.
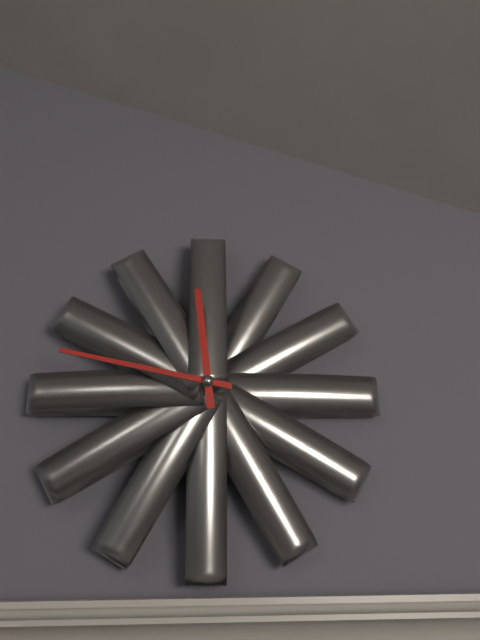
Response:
h=11 m=47
